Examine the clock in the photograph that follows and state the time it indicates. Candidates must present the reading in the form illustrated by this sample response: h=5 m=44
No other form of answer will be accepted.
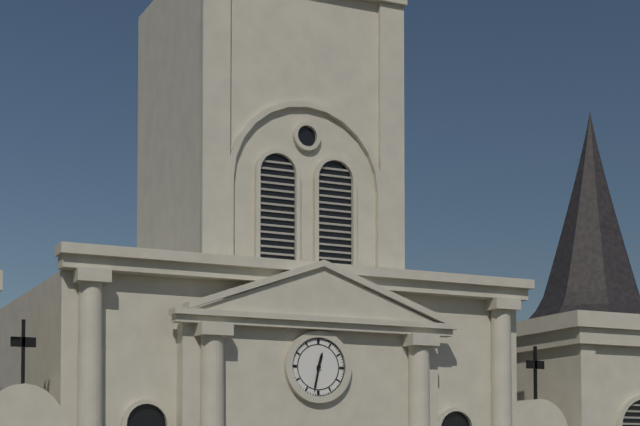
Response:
h=12 m=32
